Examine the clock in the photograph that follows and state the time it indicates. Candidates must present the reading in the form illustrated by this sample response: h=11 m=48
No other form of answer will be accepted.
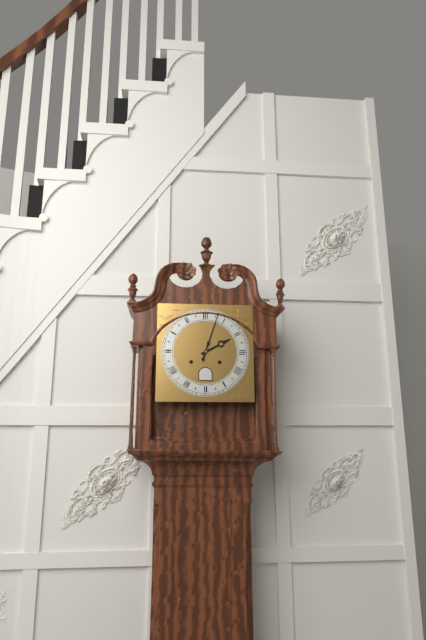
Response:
h=2 m=3
